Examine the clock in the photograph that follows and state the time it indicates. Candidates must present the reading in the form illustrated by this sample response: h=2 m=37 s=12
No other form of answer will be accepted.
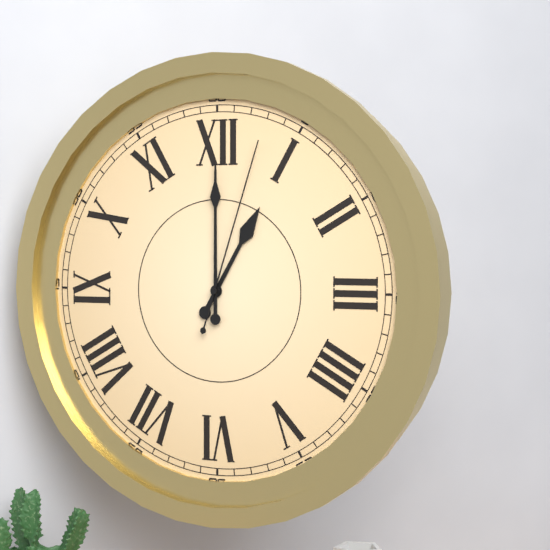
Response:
h=1 m=0 s=3
